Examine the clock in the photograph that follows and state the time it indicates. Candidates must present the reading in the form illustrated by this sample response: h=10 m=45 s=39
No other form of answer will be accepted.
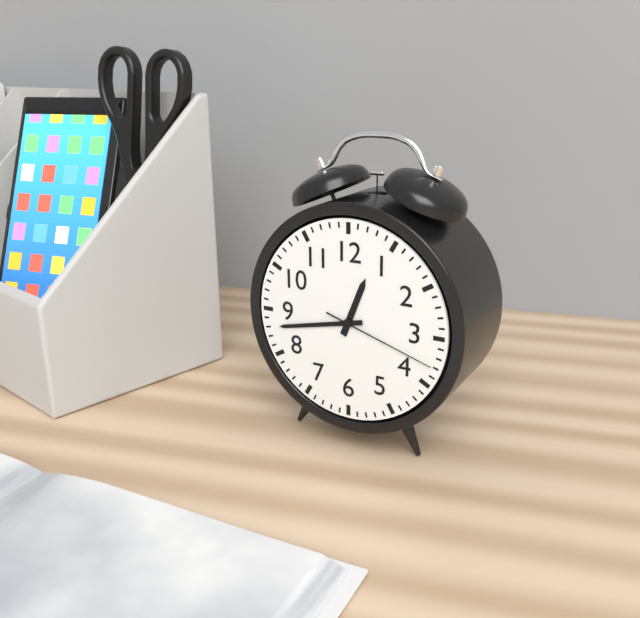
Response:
h=12 m=43 s=18
